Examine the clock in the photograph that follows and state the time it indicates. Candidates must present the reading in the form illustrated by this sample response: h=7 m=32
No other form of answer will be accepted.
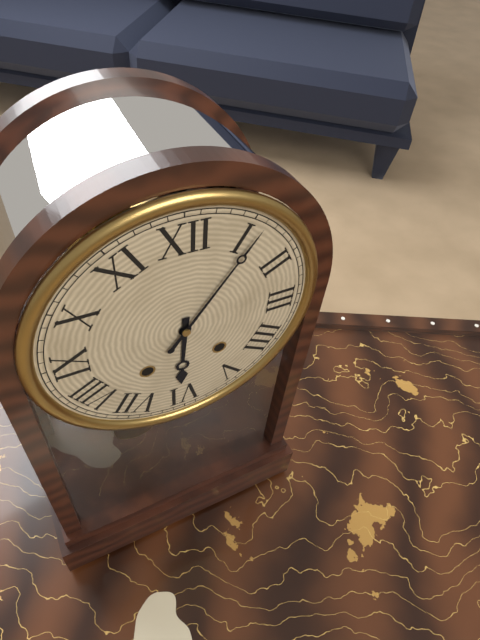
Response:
h=6 m=6
